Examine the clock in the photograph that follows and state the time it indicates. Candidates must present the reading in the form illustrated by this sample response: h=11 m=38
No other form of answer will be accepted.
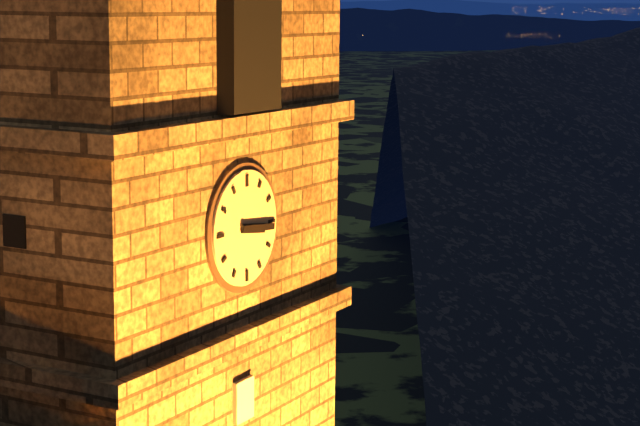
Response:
h=3 m=16
